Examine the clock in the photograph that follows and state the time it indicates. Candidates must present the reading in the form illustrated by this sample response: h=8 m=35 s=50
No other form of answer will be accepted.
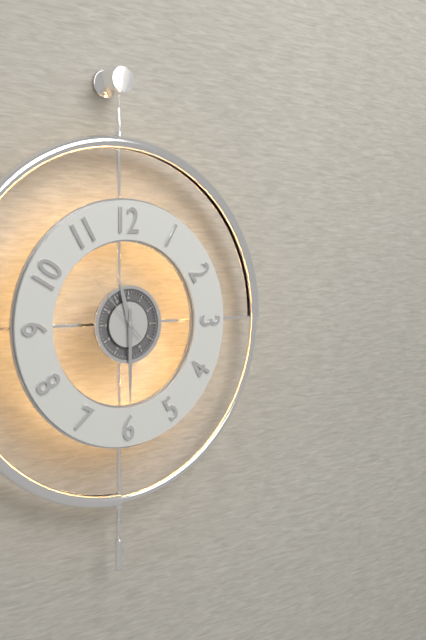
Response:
h=11 m=30 s=53
